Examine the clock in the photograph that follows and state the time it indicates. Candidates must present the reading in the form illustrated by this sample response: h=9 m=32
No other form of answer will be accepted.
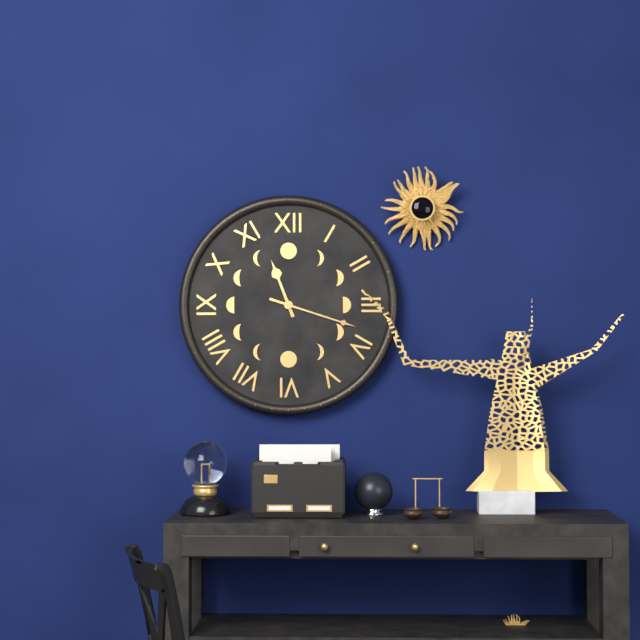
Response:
h=11 m=18
